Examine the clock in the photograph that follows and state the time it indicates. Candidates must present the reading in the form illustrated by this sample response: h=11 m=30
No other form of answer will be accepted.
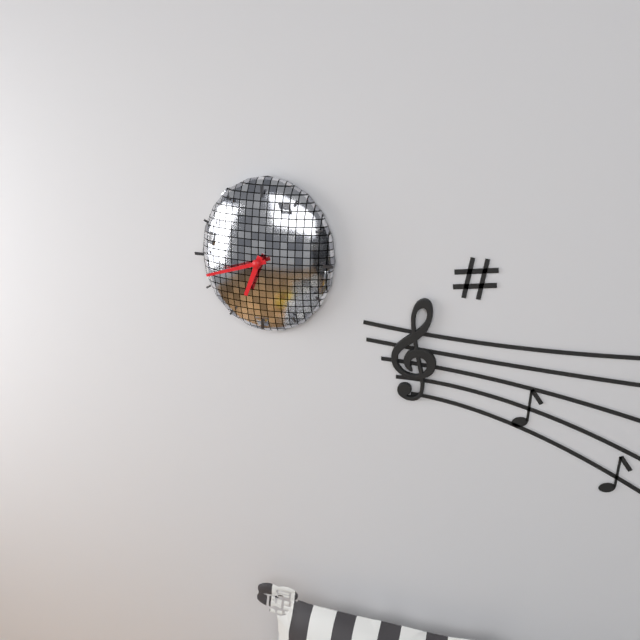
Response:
h=6 m=42
